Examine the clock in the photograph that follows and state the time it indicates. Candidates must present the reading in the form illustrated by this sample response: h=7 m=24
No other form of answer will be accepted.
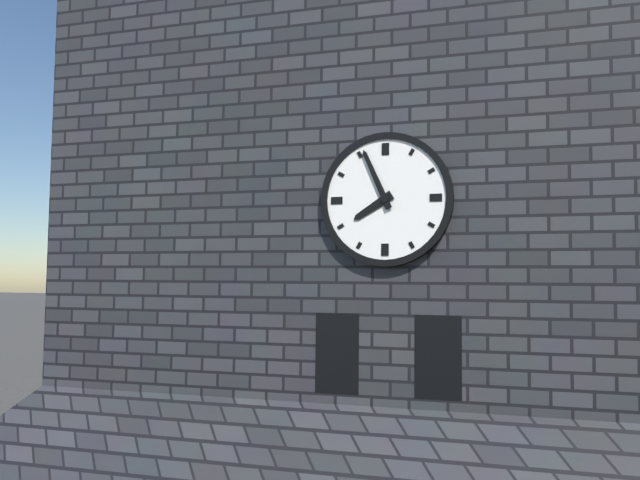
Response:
h=7 m=56
